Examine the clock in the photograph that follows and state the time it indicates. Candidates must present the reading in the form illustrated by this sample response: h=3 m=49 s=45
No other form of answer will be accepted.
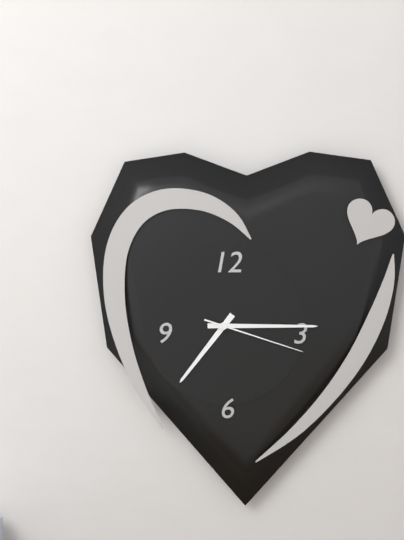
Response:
h=7 m=15 s=18
